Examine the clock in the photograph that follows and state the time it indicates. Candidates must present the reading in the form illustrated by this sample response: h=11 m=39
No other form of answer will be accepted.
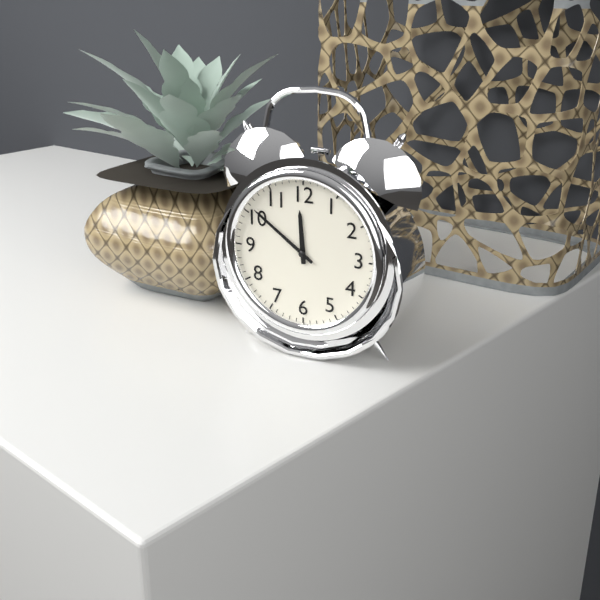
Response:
h=11 m=51
